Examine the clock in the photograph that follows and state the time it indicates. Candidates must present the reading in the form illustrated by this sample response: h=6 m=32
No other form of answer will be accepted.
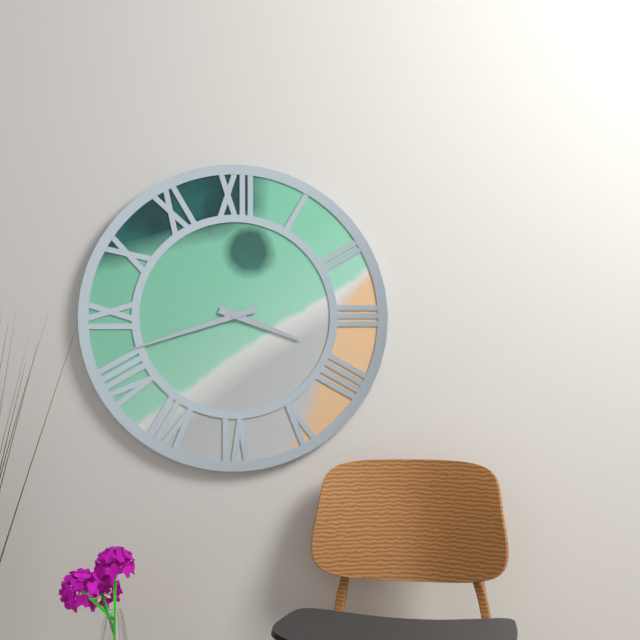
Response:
h=3 m=42
